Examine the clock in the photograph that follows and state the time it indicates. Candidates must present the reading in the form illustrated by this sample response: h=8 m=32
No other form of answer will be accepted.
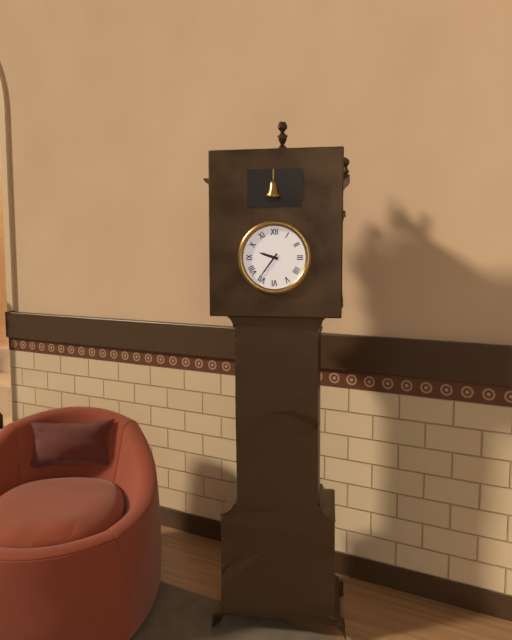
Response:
h=9 m=36
